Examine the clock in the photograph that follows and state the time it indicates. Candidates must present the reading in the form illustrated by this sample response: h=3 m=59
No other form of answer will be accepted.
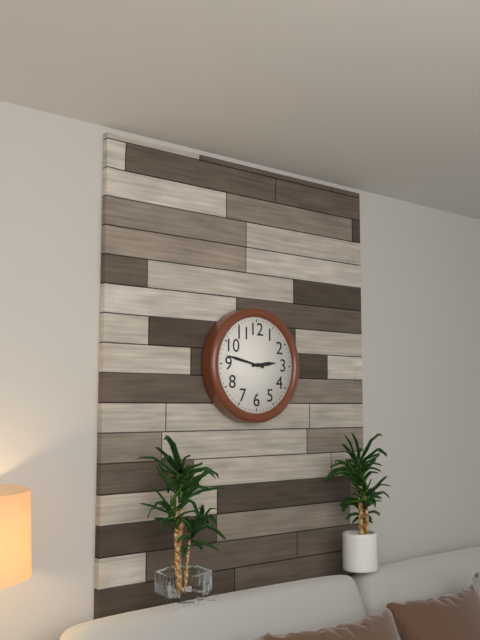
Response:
h=2 m=47
